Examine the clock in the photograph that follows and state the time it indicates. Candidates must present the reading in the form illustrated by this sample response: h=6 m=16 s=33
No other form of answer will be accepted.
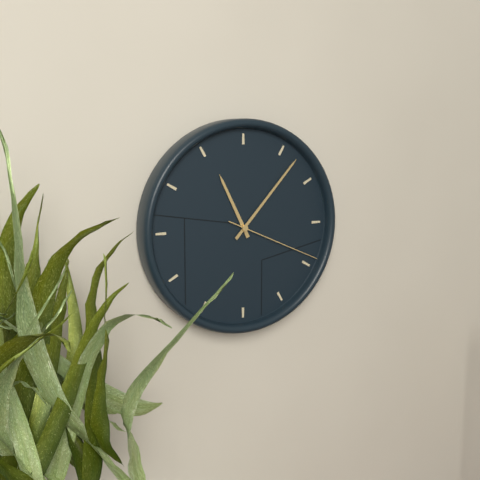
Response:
h=11 m=7 s=19
